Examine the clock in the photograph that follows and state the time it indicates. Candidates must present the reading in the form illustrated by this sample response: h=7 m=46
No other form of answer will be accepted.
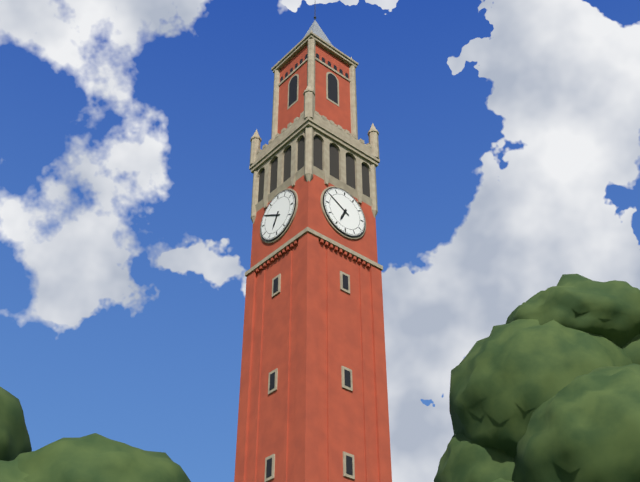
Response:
h=6 m=50
